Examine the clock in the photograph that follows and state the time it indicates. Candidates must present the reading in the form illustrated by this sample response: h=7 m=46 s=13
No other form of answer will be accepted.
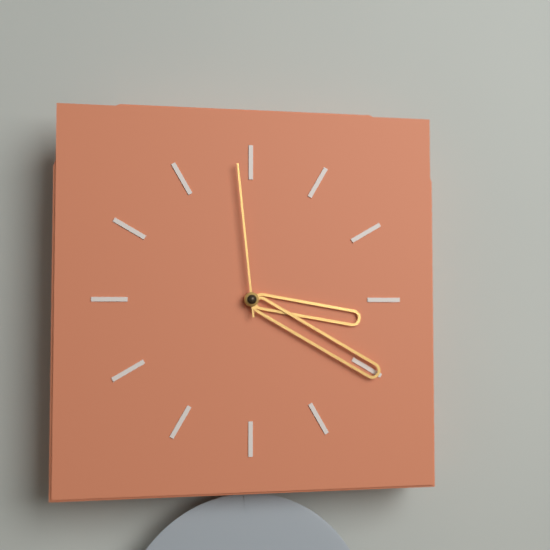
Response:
h=3 m=20 s=59
